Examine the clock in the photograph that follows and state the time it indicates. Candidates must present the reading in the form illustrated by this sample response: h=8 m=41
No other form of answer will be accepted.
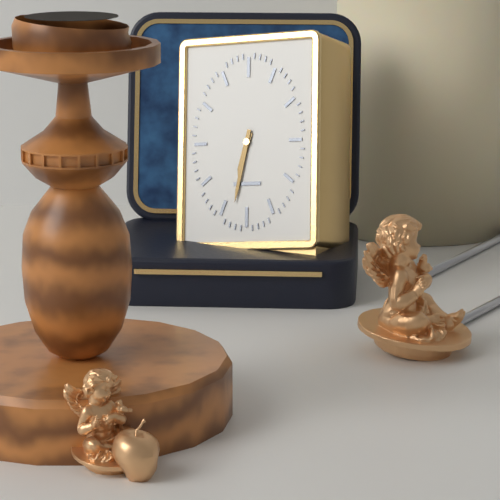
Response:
h=6 m=32
